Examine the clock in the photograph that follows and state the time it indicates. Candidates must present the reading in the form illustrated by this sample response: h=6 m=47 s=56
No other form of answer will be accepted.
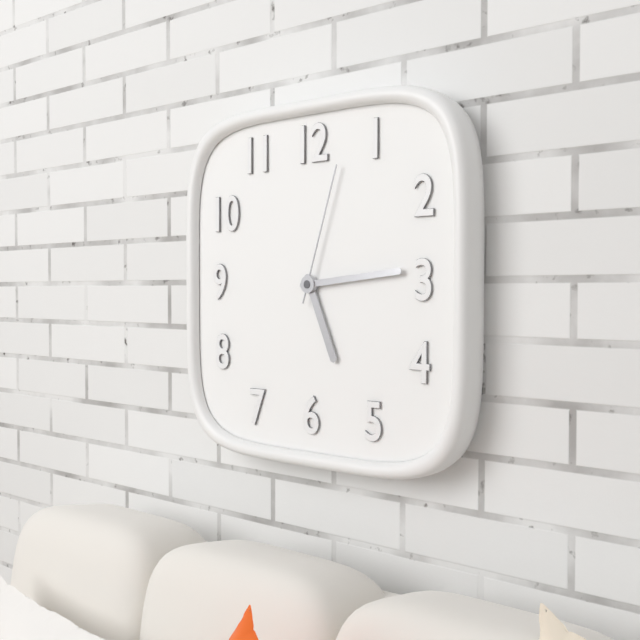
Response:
h=5 m=14 s=3
